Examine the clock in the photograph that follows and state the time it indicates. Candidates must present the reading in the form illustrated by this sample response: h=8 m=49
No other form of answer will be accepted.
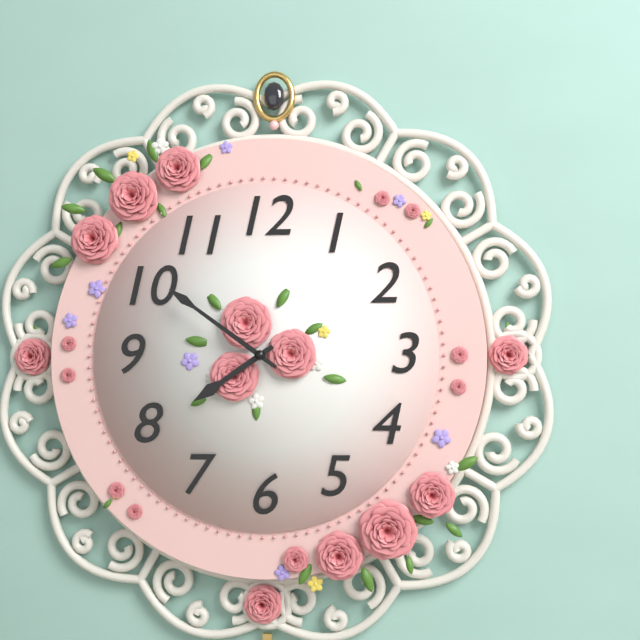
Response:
h=7 m=51
